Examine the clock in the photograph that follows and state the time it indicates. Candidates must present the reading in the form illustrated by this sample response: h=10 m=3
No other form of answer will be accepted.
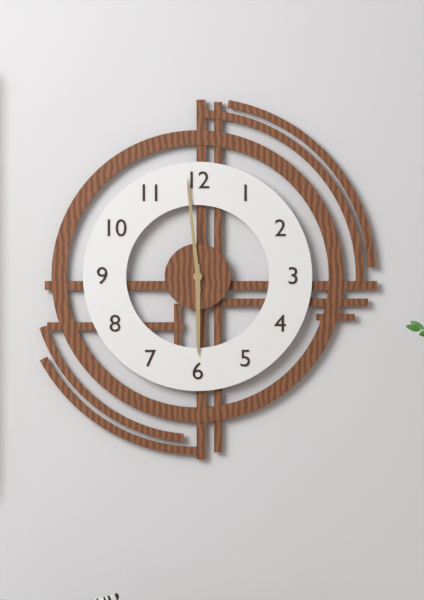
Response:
h=5 m=59
